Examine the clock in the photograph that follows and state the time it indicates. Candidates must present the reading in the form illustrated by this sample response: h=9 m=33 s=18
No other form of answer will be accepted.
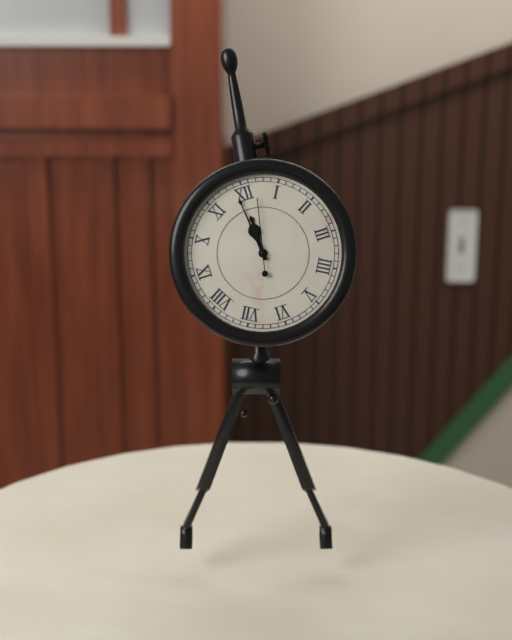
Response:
h=11 m=59 s=2
